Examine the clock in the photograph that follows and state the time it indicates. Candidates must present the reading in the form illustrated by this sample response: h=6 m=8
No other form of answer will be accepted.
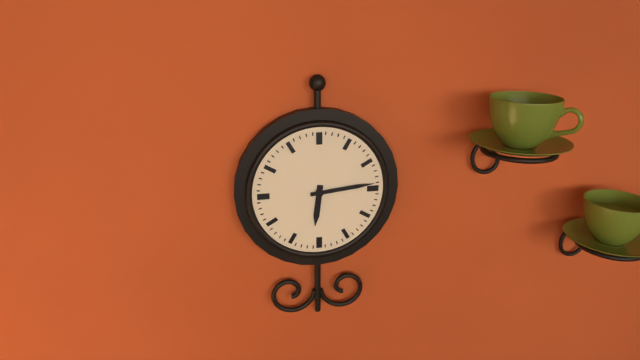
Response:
h=6 m=14
